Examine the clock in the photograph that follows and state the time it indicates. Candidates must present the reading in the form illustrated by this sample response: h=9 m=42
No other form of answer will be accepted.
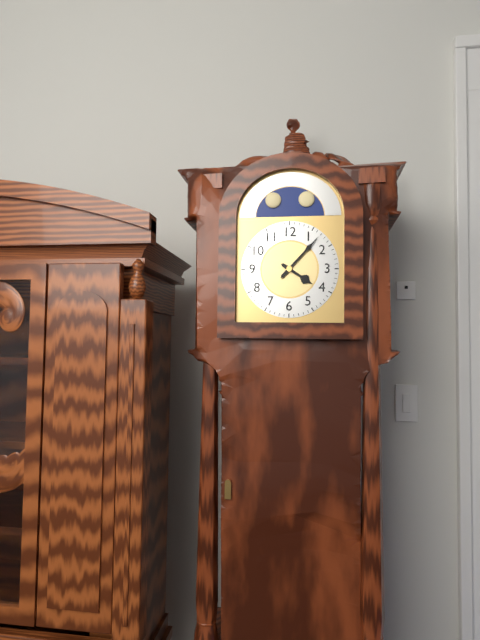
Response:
h=4 m=7
